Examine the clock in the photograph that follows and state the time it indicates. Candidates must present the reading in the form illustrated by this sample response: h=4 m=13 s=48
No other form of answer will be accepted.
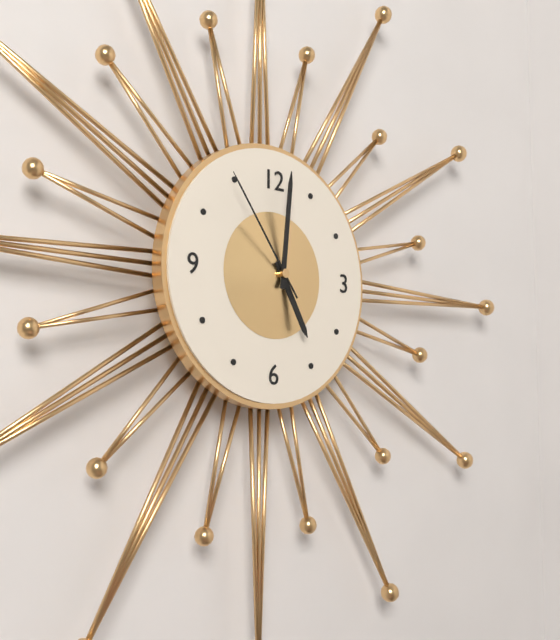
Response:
h=5 m=1 s=54
